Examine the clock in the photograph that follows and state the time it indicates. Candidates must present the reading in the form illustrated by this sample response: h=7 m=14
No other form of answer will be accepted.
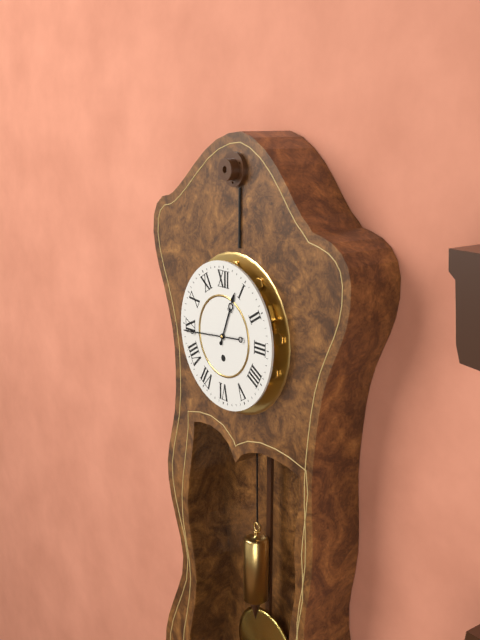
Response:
h=12 m=44
